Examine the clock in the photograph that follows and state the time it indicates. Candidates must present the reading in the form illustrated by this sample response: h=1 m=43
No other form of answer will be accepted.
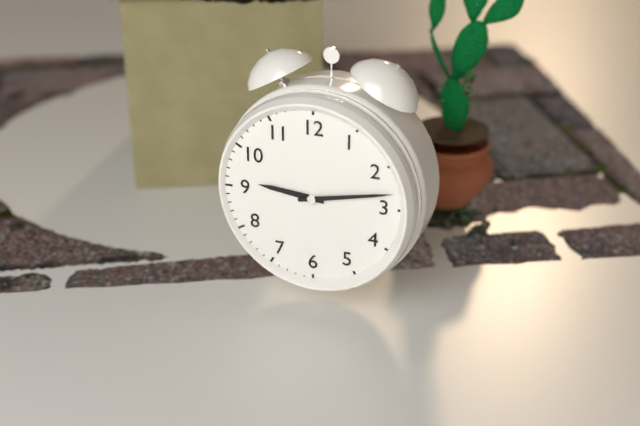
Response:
h=9 m=13
